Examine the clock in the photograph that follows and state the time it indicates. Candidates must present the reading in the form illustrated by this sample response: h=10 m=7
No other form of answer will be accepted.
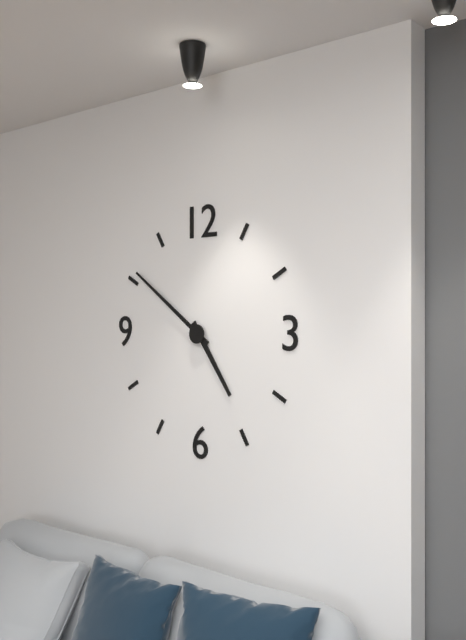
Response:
h=4 m=51
